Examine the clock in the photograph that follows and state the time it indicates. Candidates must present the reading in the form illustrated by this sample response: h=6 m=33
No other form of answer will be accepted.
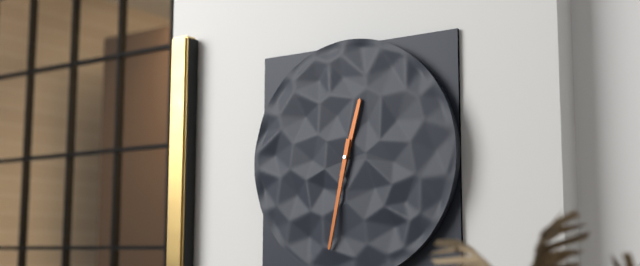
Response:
h=12 m=32
